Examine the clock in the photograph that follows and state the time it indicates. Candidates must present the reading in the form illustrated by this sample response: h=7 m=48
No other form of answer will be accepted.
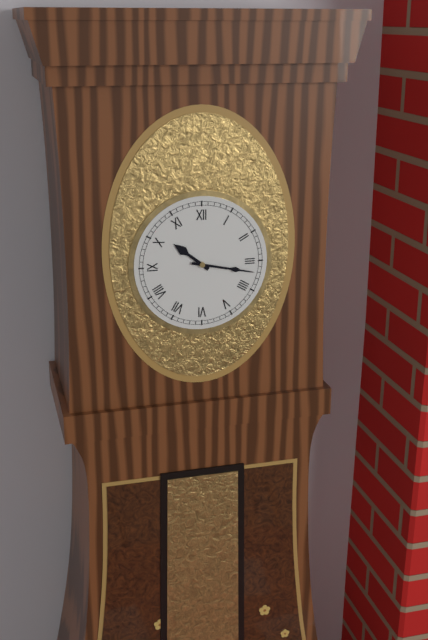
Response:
h=10 m=17
